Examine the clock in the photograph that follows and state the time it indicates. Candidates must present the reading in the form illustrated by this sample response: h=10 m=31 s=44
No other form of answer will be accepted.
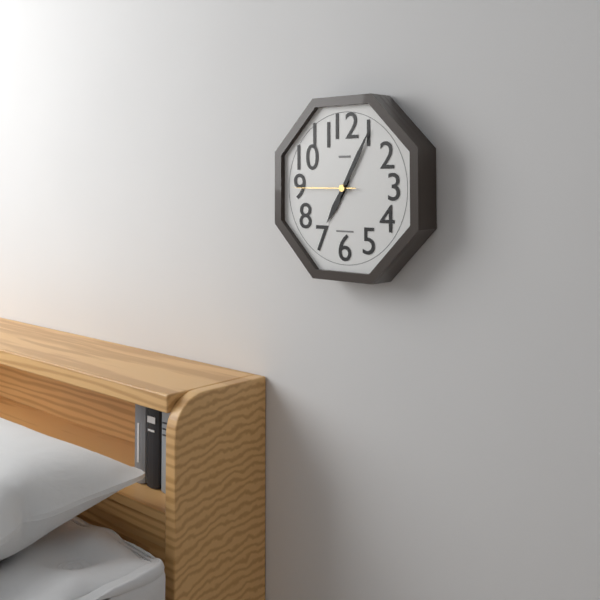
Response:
h=7 m=5 s=45
